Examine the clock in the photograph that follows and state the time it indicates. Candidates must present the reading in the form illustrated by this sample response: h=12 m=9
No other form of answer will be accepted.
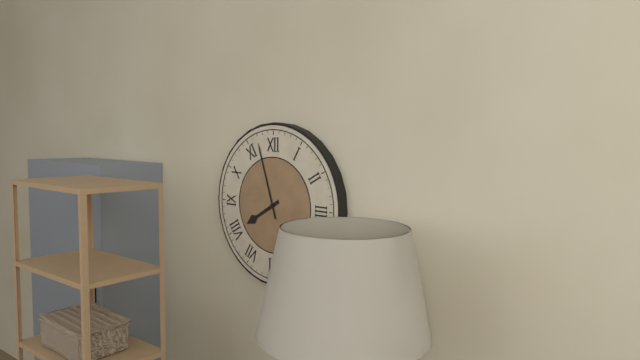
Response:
h=7 m=57
